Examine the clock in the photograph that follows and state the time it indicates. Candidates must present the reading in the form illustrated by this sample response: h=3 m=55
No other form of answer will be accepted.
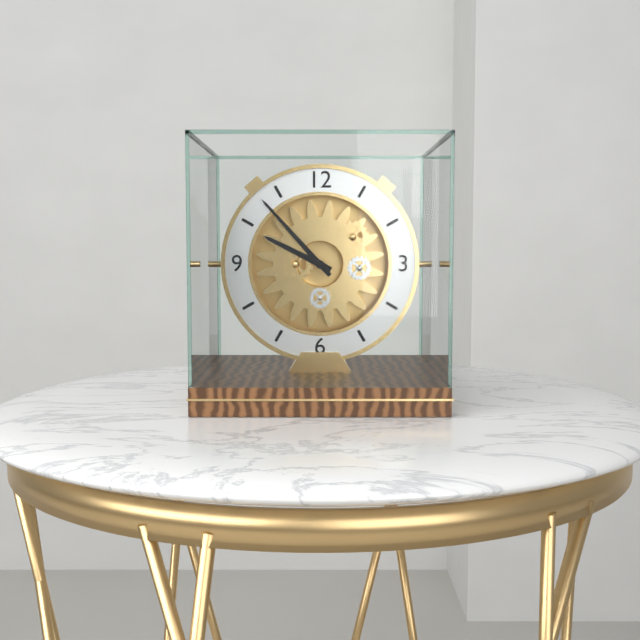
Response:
h=9 m=53
